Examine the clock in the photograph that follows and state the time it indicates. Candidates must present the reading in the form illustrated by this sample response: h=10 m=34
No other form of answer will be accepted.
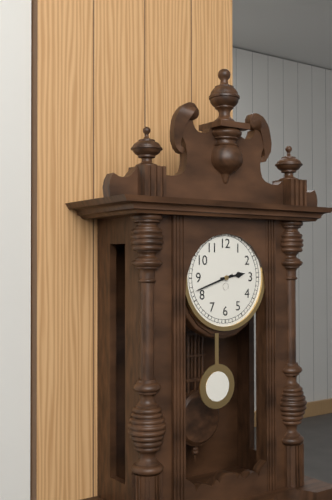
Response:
h=2 m=42
